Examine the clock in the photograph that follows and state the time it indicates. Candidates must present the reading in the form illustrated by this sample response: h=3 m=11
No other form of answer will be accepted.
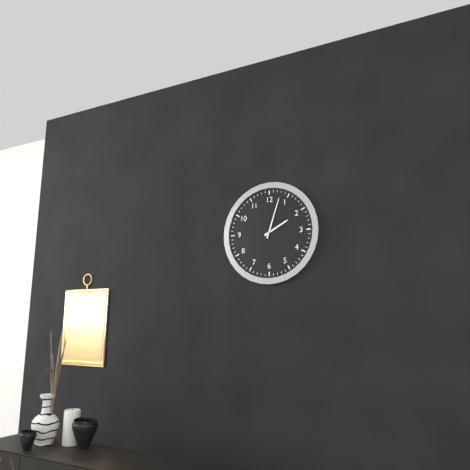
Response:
h=2 m=3
